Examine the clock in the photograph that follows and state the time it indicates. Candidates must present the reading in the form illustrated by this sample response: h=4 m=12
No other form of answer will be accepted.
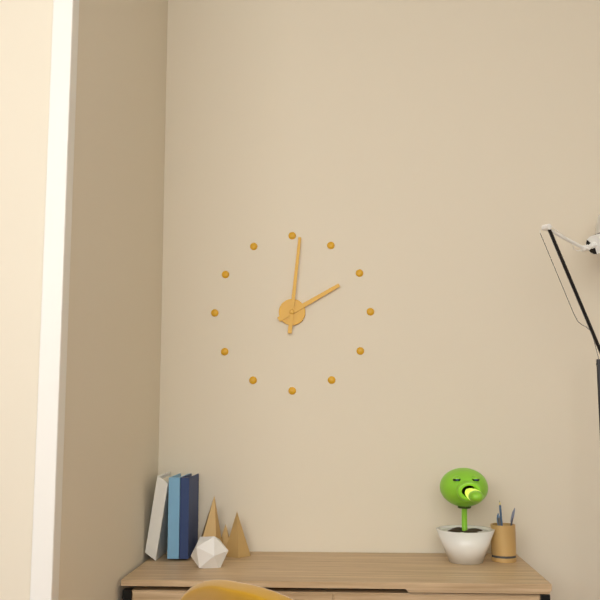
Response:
h=2 m=1
